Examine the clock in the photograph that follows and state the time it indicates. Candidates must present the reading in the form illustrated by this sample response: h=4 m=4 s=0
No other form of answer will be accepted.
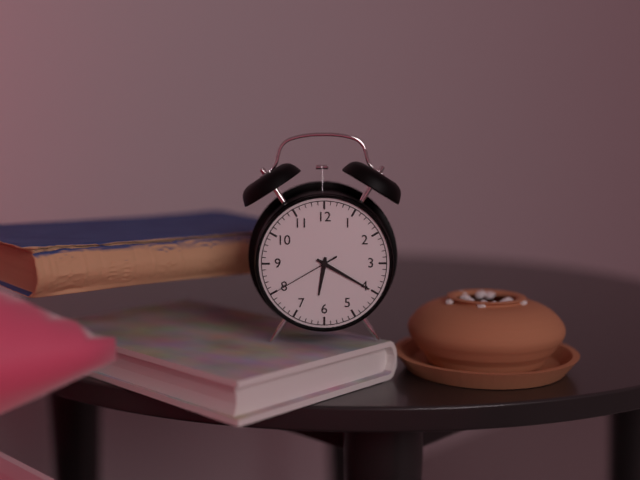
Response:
h=6 m=20 s=40
